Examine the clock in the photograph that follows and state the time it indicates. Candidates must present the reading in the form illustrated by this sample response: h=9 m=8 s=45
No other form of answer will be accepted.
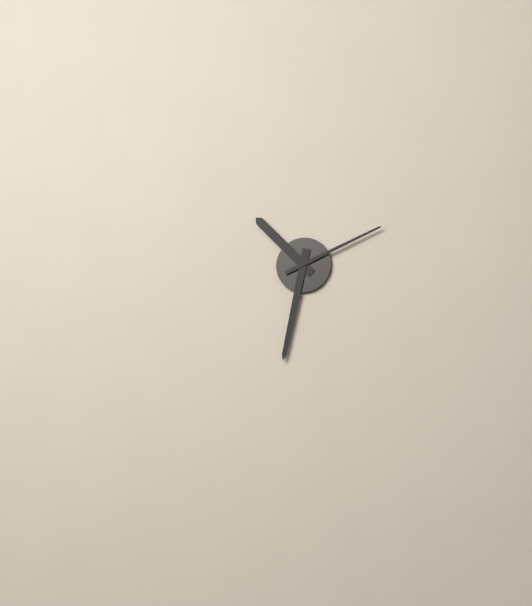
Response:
h=10 m=32 s=11
